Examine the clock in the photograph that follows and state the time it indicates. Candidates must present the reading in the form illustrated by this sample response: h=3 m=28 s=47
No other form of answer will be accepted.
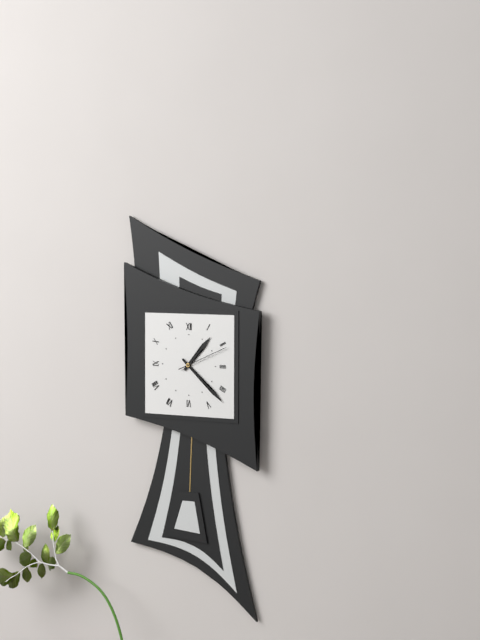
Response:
h=1 m=22 s=11
